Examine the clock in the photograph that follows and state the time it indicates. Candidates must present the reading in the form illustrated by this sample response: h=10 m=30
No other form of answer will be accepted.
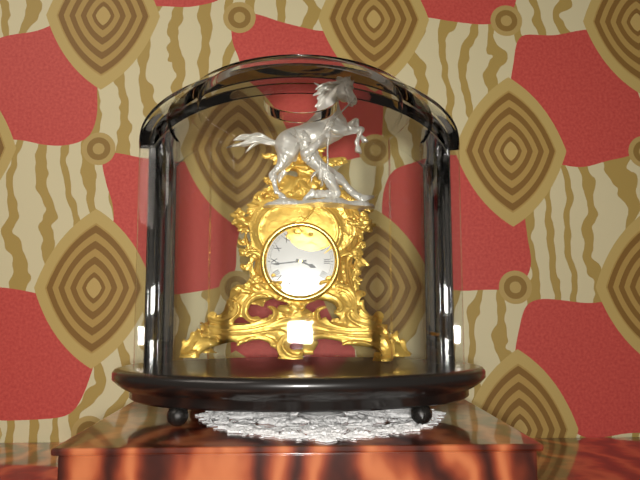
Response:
h=3 m=44
